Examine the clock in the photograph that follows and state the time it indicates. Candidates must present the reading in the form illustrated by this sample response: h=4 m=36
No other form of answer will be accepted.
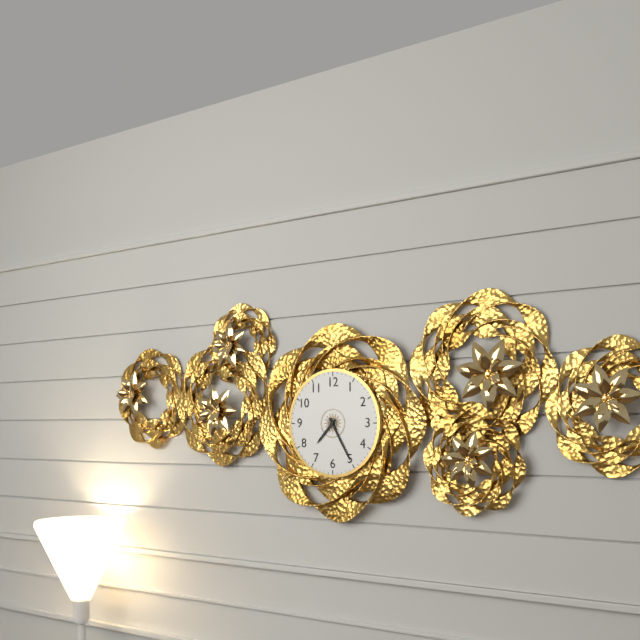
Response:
h=7 m=25
